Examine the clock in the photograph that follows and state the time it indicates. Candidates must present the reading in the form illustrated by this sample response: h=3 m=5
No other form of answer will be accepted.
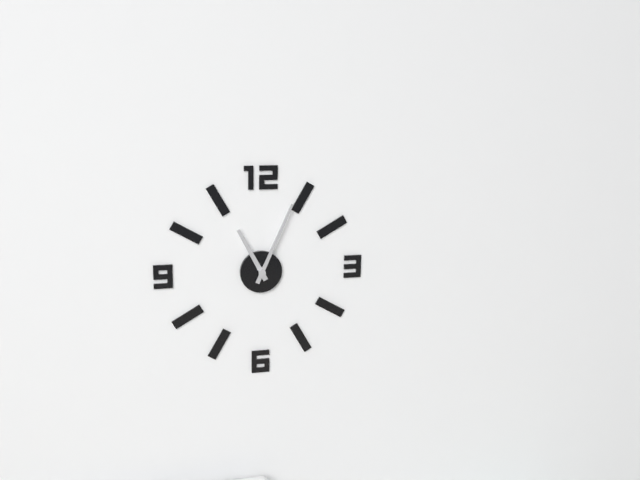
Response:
h=11 m=4
